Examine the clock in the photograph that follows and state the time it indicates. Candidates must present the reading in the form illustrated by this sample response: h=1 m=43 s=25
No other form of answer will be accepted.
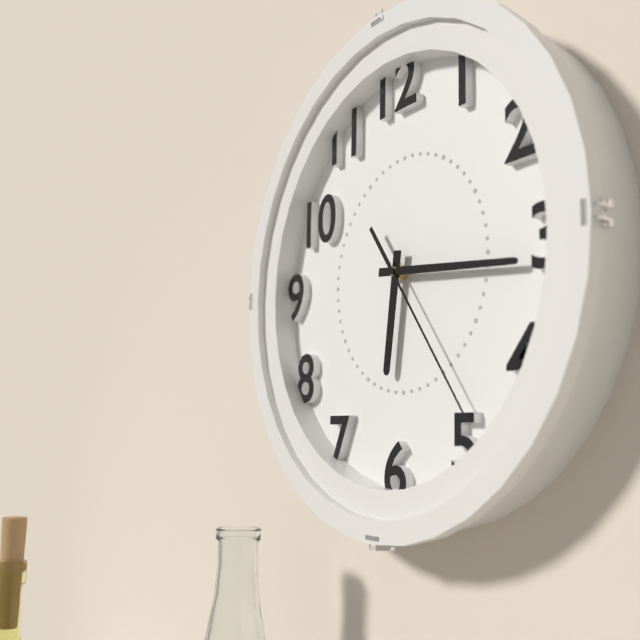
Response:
h=6 m=16 s=24
